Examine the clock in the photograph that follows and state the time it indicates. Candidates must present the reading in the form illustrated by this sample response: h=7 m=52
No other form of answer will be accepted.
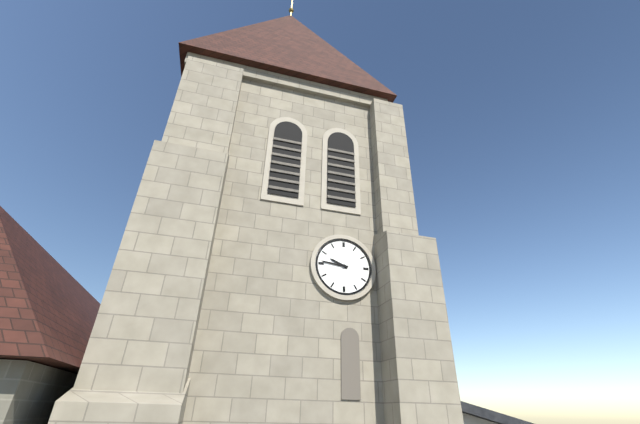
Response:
h=9 m=46
